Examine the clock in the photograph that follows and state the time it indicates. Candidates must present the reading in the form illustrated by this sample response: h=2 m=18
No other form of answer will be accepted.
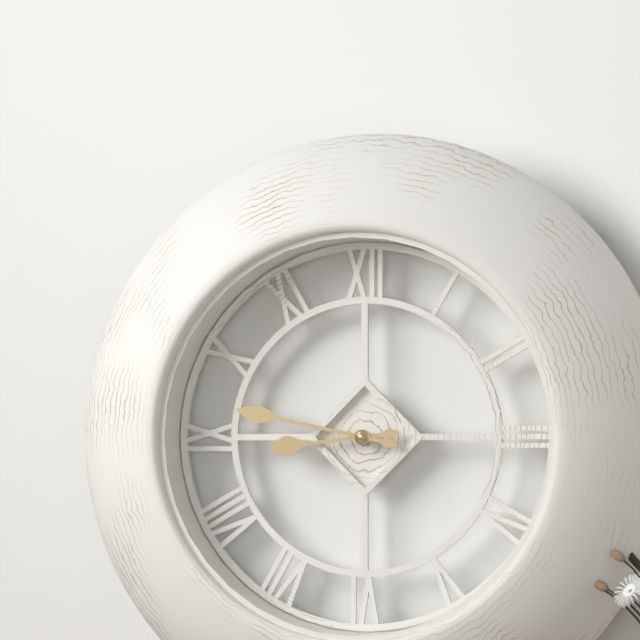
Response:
h=8 m=47
